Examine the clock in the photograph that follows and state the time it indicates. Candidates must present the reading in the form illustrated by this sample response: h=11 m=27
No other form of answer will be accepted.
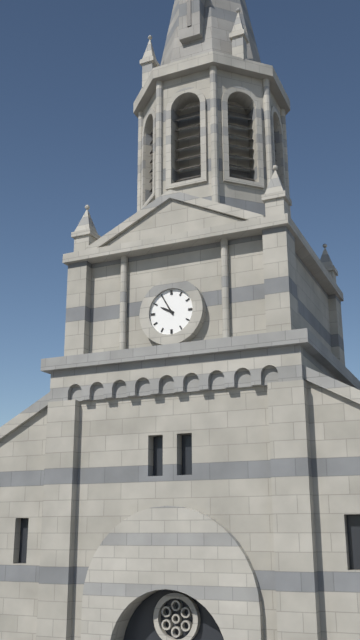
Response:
h=9 m=55
